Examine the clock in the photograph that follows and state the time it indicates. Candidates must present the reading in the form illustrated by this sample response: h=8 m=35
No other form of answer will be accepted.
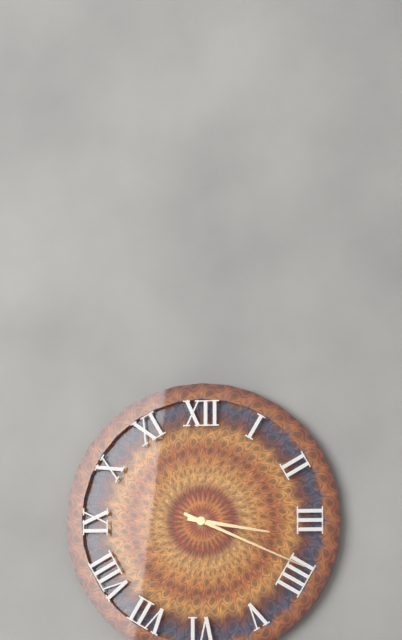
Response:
h=3 m=19
